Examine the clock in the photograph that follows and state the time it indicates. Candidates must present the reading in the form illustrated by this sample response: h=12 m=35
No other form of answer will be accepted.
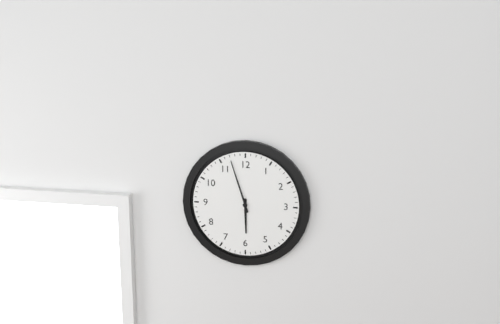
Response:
h=5 m=57
